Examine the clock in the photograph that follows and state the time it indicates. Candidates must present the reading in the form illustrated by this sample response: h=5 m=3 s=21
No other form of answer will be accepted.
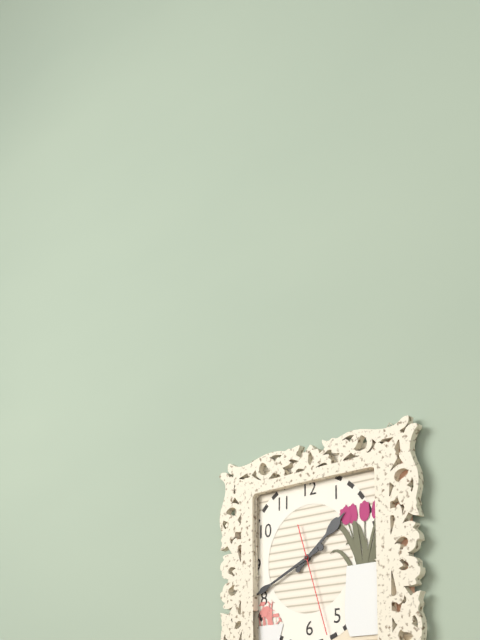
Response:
h=1 m=41 s=27
